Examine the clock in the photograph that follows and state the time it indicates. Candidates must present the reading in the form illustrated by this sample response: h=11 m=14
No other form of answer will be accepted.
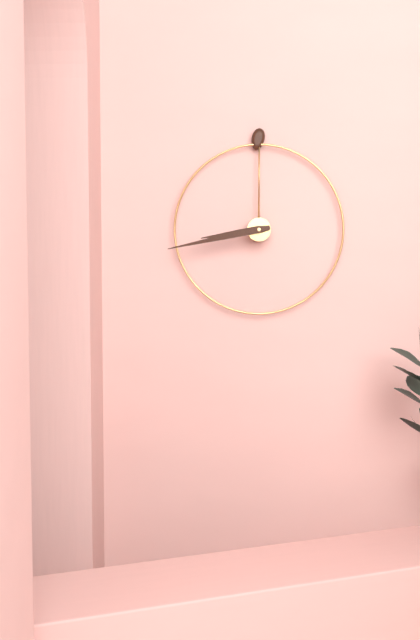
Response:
h=8 m=43
